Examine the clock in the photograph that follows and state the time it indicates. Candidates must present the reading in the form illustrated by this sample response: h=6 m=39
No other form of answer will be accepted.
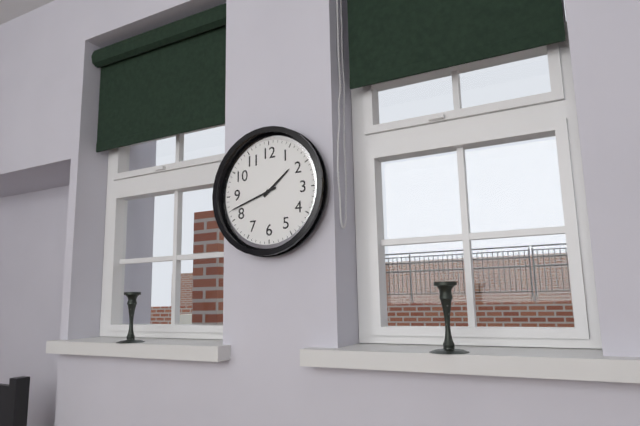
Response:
h=1 m=42
